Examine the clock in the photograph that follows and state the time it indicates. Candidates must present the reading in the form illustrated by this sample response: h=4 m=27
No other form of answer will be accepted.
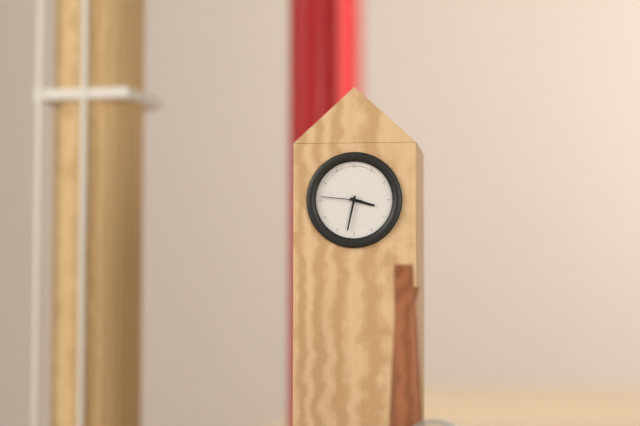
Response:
h=3 m=32
